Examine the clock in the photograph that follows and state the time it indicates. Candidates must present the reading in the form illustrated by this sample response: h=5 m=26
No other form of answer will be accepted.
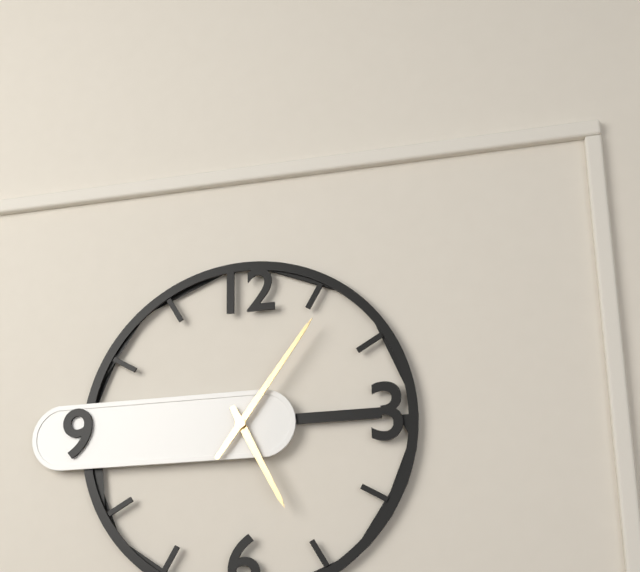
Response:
h=5 m=6
